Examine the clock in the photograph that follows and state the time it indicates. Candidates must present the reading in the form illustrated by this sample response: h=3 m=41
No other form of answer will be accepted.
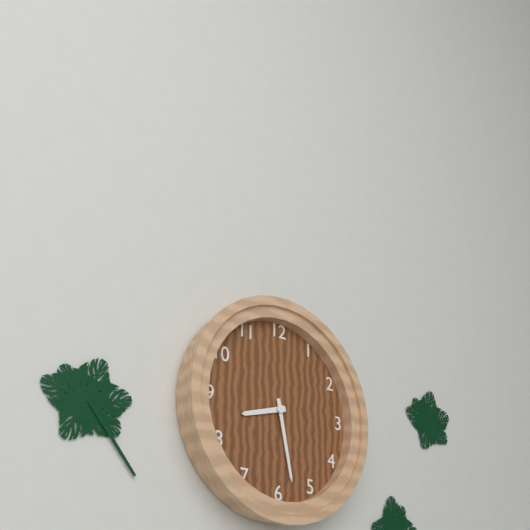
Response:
h=8 m=28
